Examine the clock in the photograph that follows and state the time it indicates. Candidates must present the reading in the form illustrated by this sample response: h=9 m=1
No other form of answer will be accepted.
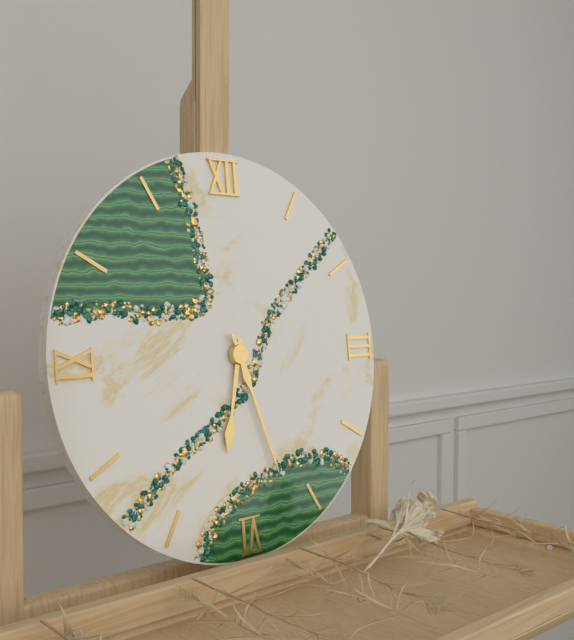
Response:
h=6 m=27
